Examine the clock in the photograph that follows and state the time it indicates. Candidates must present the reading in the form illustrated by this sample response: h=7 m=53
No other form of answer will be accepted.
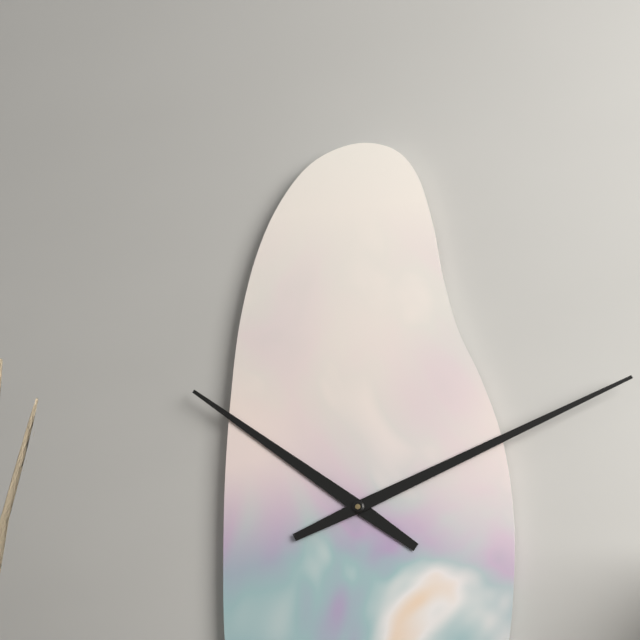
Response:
h=10 m=11
